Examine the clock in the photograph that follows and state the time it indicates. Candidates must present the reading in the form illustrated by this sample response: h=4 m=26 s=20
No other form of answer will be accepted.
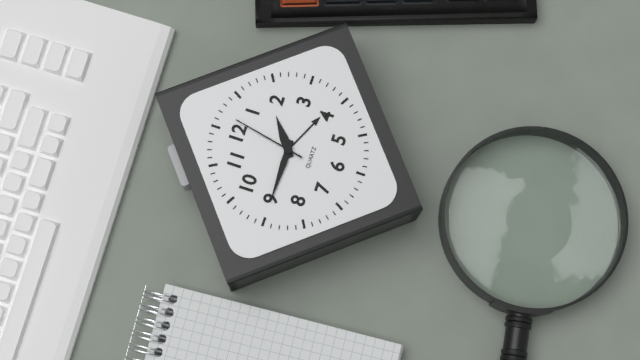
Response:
h=1 m=45 s=2
